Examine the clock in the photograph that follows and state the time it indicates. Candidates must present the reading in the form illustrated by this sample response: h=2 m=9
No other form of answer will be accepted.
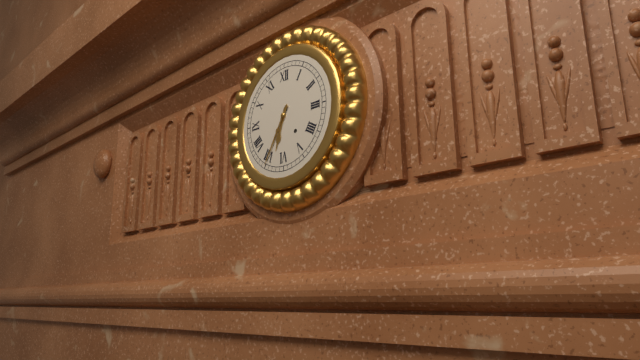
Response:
h=6 m=35
